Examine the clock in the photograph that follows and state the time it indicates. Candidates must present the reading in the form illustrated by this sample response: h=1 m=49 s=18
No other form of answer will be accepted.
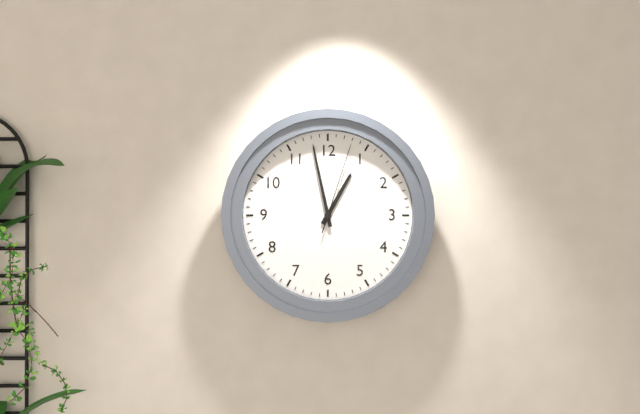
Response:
h=12 m=58 s=3
